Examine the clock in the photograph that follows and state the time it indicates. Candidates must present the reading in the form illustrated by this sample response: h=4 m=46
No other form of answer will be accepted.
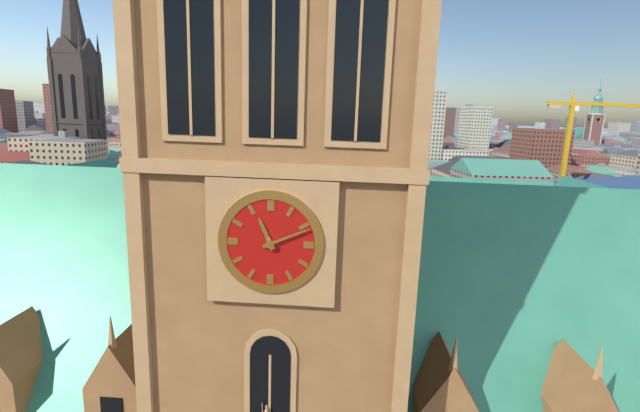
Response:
h=11 m=11
